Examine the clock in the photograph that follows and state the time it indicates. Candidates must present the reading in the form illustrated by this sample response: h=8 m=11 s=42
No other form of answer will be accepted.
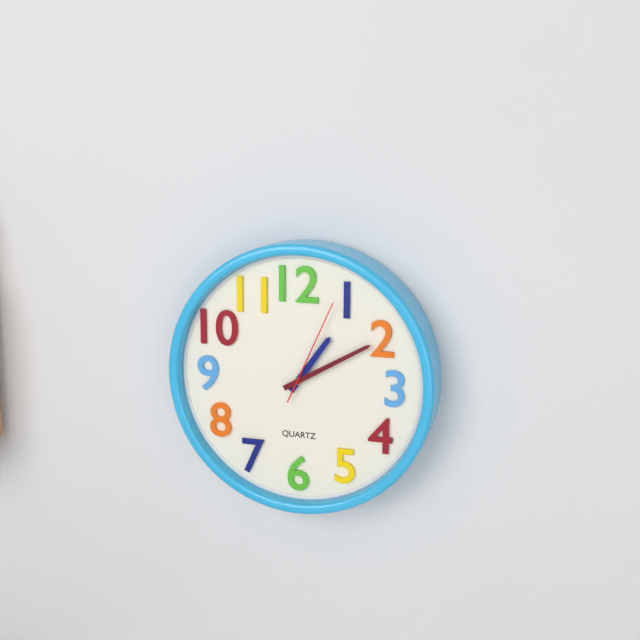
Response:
h=1 m=10 s=4
